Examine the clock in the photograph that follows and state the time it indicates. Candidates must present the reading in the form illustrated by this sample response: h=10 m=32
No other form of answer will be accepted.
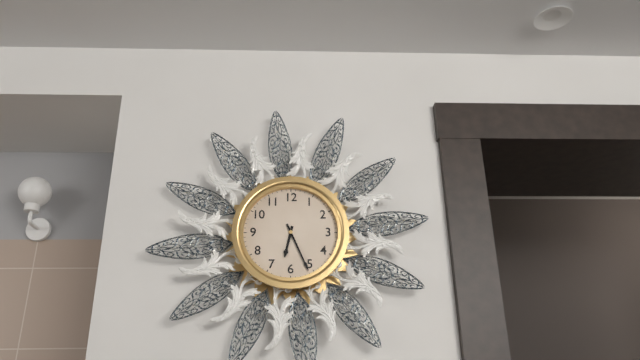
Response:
h=6 m=26
